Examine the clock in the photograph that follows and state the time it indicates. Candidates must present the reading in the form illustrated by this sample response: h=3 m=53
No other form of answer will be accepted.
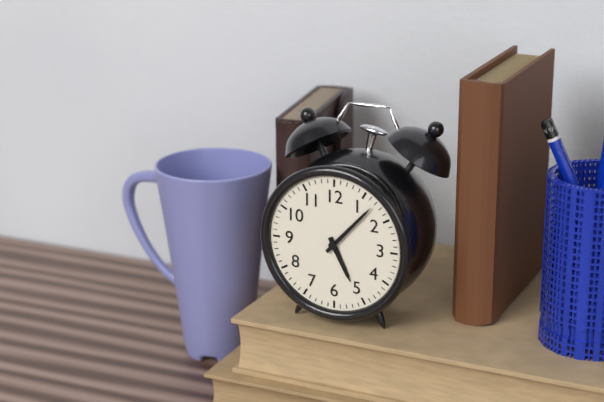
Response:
h=5 m=7
